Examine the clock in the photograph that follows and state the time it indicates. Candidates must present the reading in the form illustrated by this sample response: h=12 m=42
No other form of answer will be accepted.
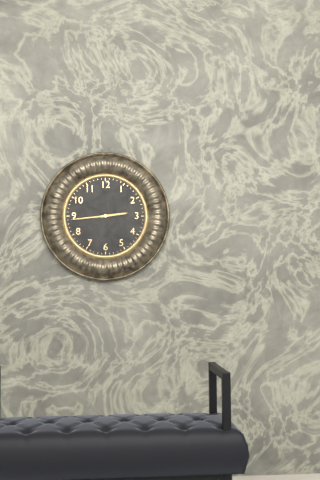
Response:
h=2 m=44
